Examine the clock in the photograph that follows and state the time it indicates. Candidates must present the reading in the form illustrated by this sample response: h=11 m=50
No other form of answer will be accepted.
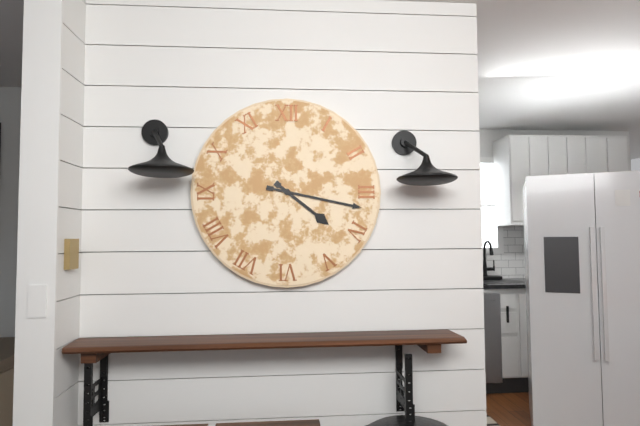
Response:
h=4 m=17
